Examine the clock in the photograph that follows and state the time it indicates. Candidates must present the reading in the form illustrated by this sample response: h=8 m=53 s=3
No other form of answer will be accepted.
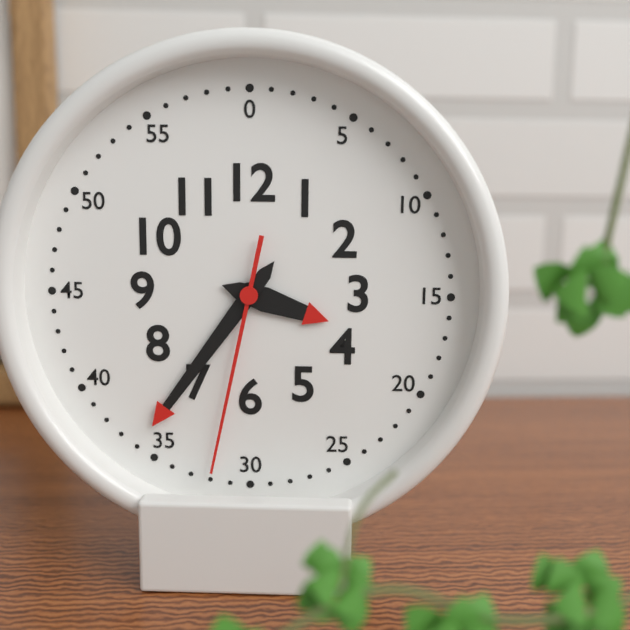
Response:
h=3 m=36 s=32
